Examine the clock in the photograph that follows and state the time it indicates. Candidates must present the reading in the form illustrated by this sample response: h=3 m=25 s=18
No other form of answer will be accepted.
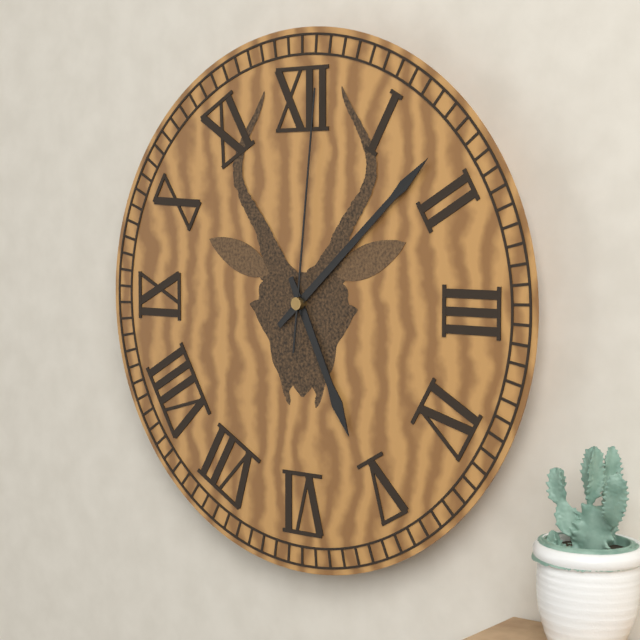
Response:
h=5 m=8 s=1
